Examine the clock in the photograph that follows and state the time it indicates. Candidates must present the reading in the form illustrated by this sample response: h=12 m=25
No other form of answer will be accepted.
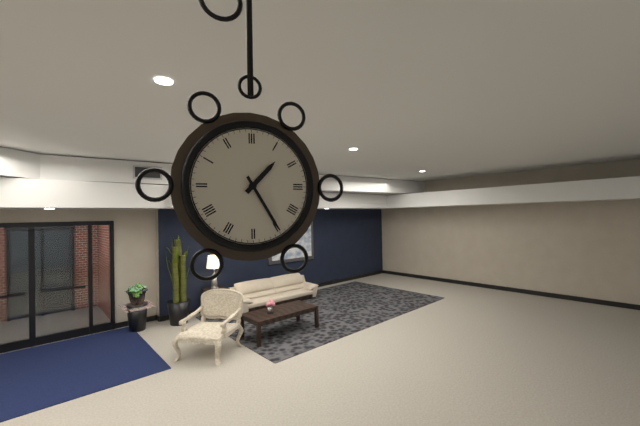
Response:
h=1 m=25
